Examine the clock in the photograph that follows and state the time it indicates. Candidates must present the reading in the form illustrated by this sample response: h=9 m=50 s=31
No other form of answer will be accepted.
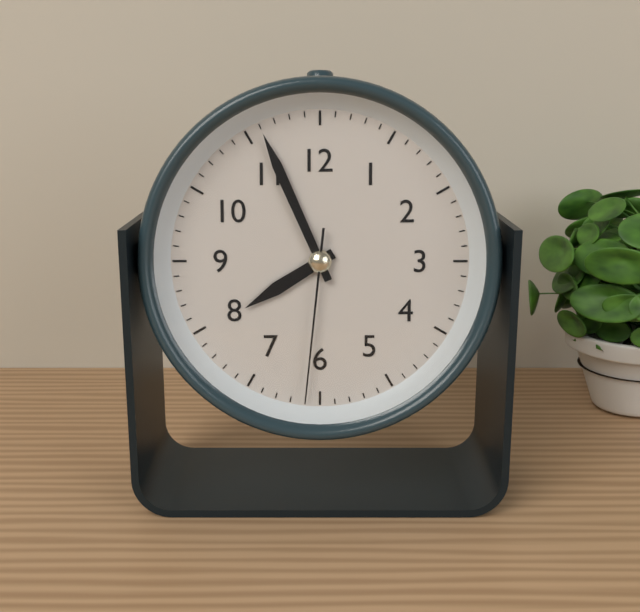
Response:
h=7 m=56 s=31
